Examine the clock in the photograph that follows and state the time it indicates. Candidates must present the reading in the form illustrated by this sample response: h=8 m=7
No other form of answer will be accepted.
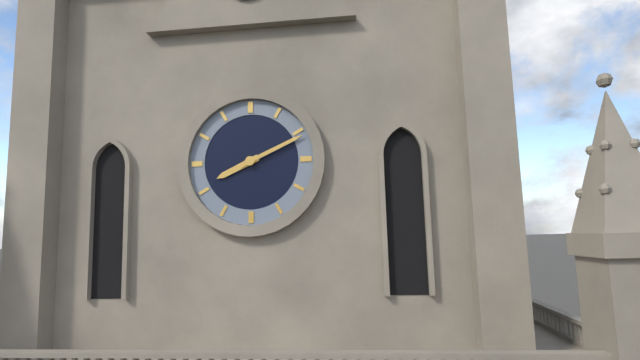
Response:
h=8 m=11
